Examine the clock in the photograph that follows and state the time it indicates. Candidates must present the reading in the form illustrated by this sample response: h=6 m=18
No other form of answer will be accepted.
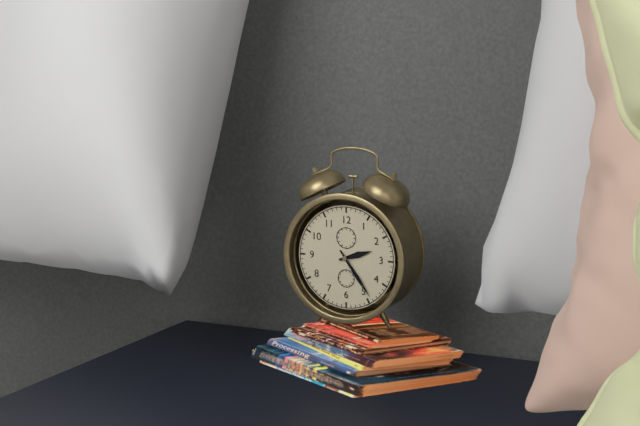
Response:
h=2 m=24
